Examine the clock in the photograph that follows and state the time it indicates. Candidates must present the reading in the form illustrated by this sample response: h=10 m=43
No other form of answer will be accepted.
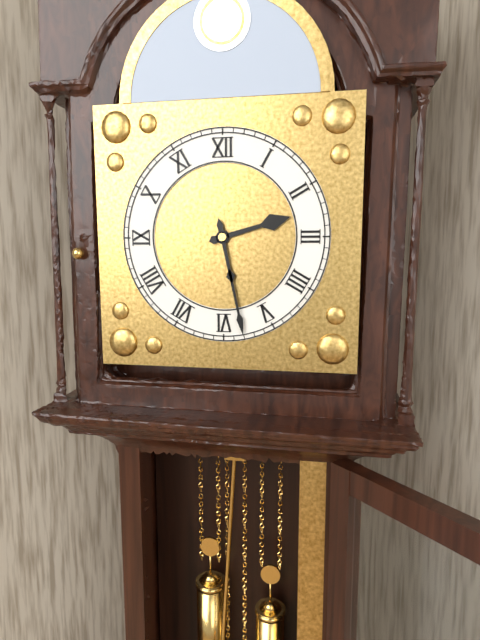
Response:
h=2 m=28
